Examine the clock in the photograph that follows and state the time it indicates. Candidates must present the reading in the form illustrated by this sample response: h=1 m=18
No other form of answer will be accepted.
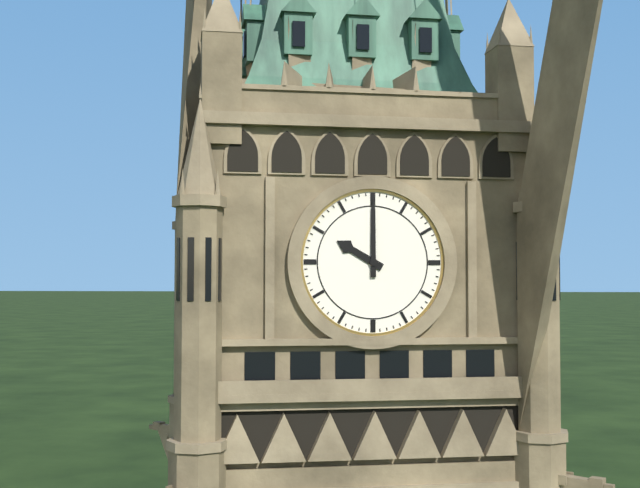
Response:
h=10 m=0
